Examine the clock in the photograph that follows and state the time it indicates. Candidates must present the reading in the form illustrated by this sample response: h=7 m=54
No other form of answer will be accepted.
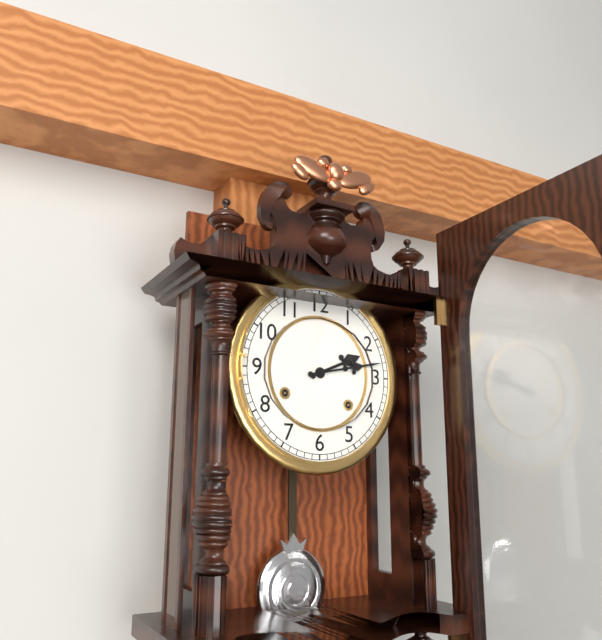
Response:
h=2 m=13
